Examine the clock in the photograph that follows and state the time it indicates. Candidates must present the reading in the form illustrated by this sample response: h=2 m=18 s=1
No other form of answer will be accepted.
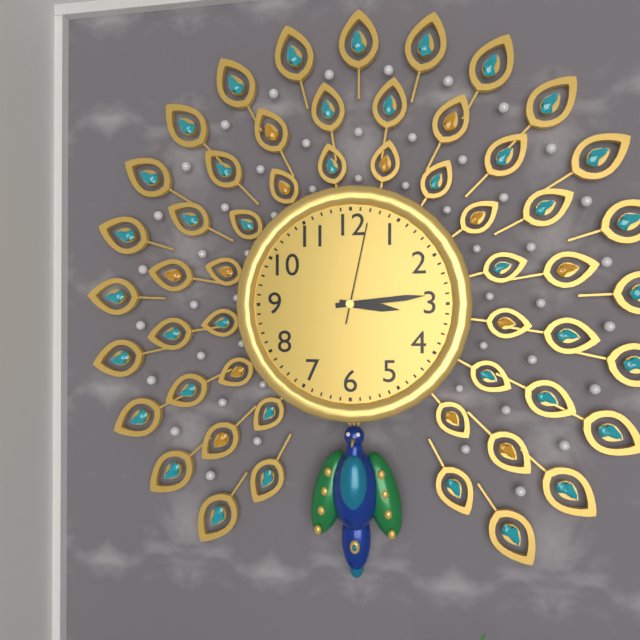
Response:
h=3 m=14 s=2
